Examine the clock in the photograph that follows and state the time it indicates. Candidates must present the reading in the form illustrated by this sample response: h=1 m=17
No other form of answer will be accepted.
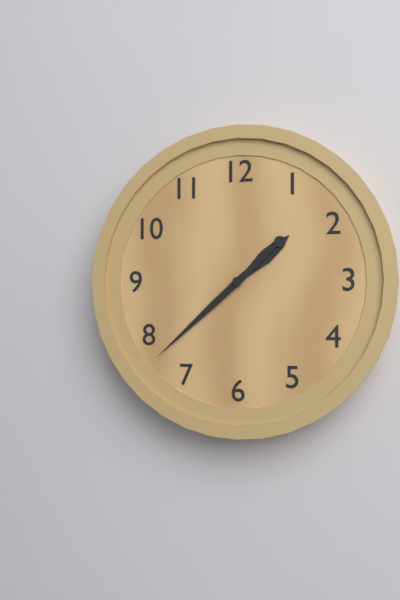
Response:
h=1 m=38
